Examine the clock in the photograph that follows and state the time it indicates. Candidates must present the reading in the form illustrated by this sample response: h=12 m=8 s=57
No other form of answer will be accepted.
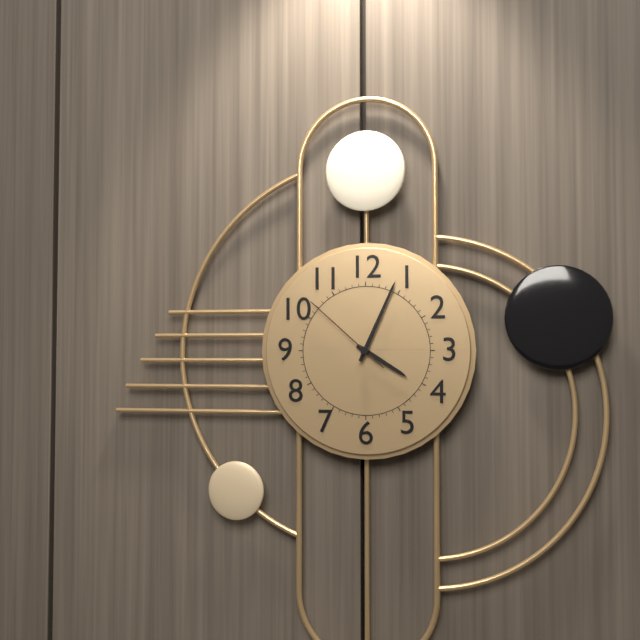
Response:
h=4 m=4 s=52
